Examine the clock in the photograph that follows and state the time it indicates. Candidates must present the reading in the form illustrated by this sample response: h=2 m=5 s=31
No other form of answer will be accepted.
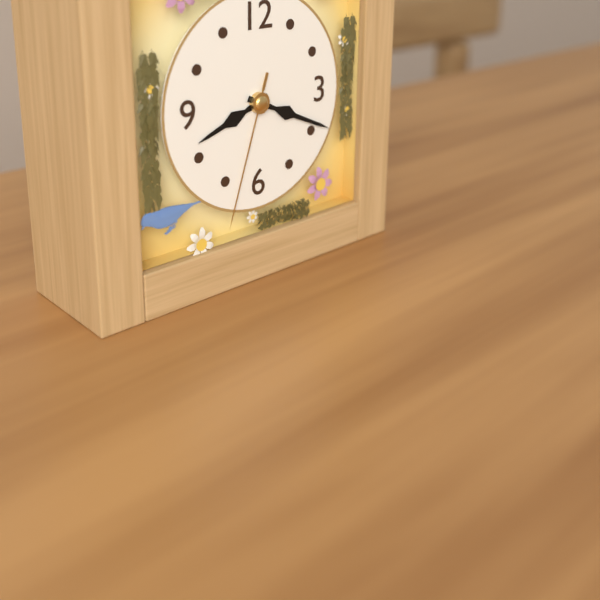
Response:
h=8 m=19 s=33
